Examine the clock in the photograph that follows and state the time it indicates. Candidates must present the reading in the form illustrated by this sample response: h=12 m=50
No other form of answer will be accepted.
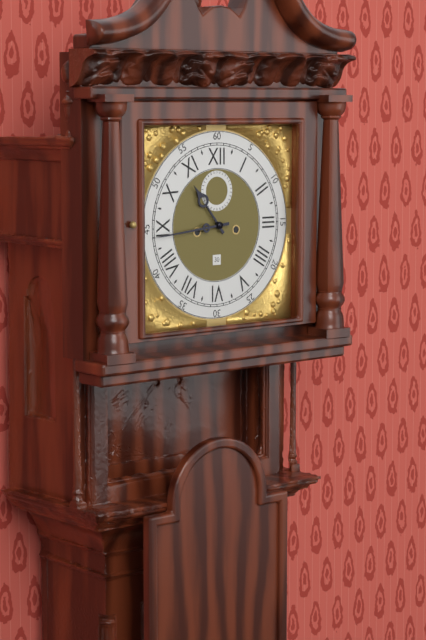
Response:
h=10 m=44
